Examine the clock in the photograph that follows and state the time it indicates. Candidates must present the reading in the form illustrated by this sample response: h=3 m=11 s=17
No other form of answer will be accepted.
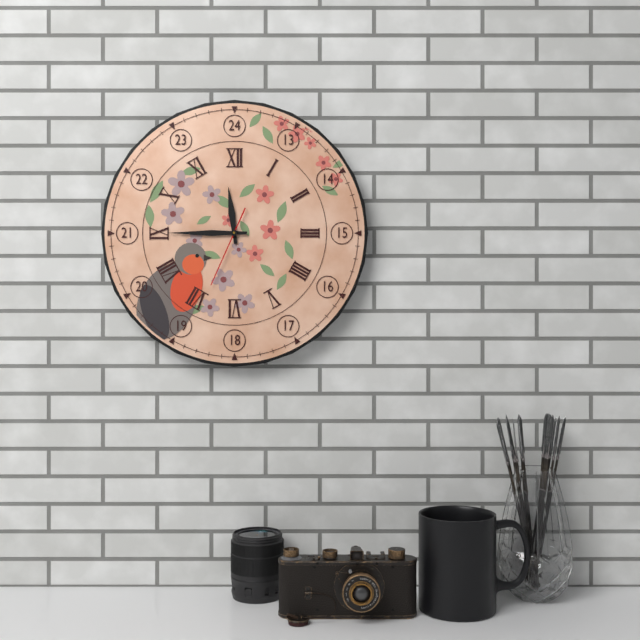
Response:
h=11 m=45 s=34
